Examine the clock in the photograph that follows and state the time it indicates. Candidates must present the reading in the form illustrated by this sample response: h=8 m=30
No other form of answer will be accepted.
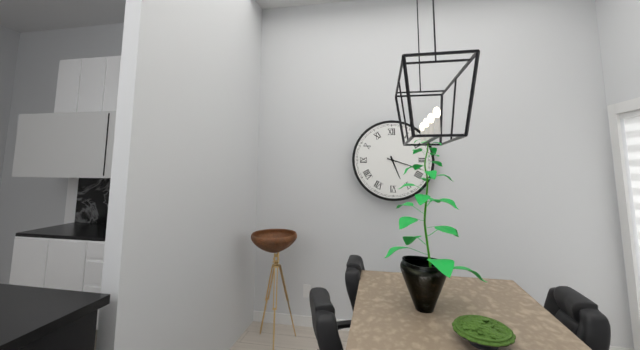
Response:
h=5 m=18
